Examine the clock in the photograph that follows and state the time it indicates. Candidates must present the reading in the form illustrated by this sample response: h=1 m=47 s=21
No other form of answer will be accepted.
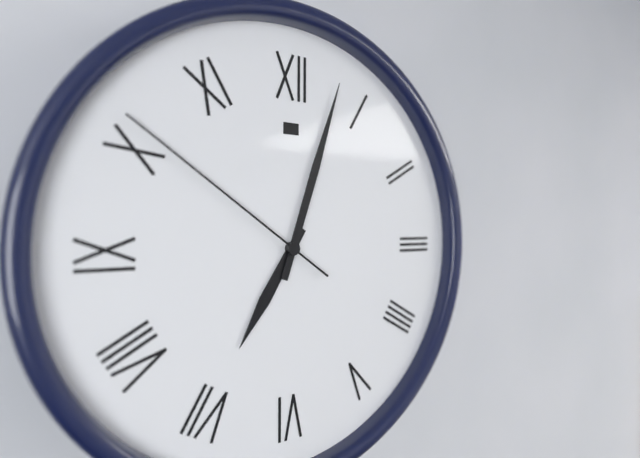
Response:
h=7 m=3 s=51
